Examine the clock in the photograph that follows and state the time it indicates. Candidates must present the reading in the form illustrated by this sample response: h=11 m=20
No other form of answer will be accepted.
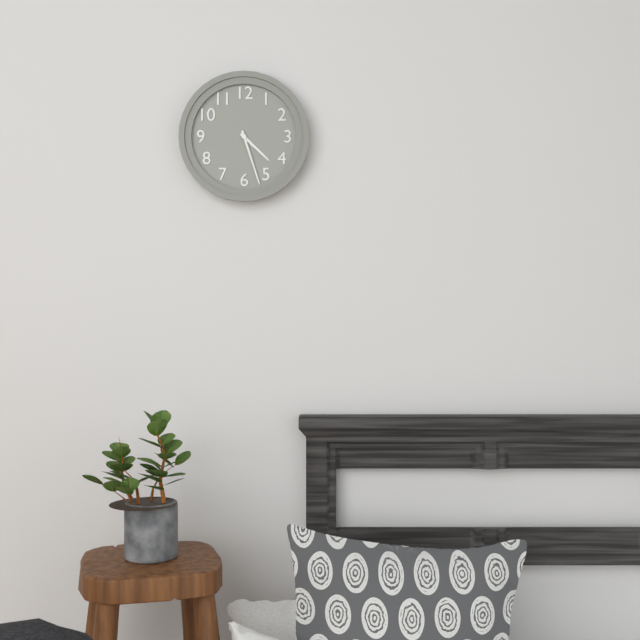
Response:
h=4 m=27
